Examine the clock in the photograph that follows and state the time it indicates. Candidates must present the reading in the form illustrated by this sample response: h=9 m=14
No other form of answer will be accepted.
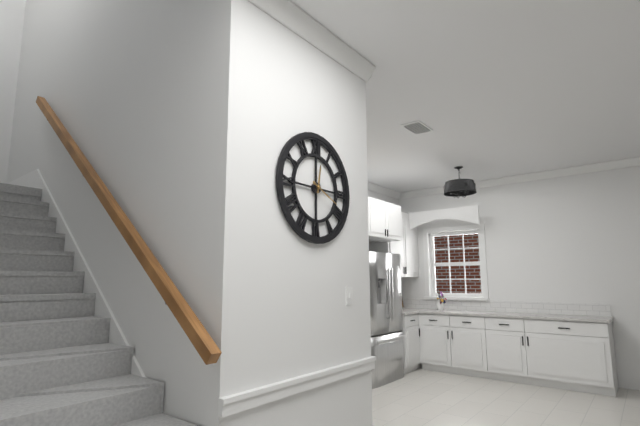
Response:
h=12 m=19
